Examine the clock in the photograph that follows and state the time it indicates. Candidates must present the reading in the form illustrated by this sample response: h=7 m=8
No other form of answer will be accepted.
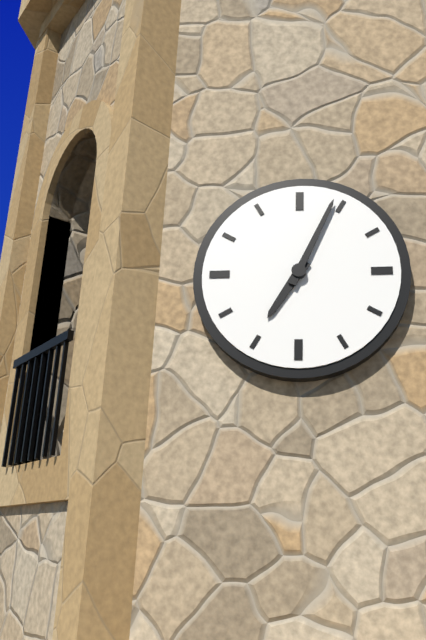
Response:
h=7 m=4
